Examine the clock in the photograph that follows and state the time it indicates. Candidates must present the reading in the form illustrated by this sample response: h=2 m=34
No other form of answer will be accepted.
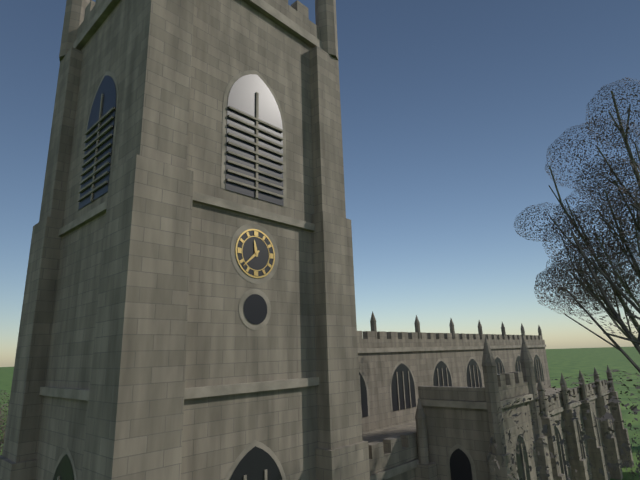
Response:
h=11 m=38
